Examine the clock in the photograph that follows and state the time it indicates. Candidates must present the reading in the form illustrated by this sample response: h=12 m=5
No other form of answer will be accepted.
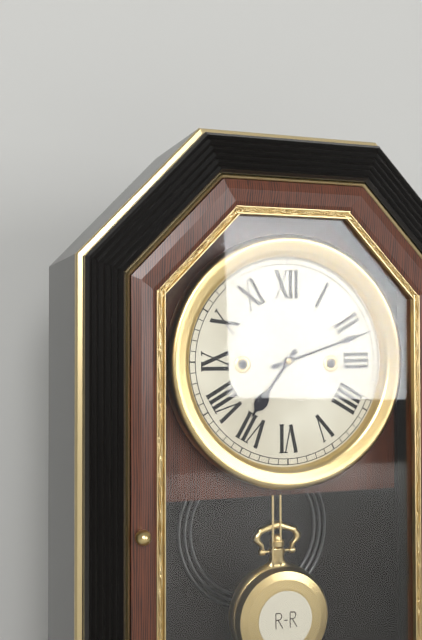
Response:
h=7 m=12
